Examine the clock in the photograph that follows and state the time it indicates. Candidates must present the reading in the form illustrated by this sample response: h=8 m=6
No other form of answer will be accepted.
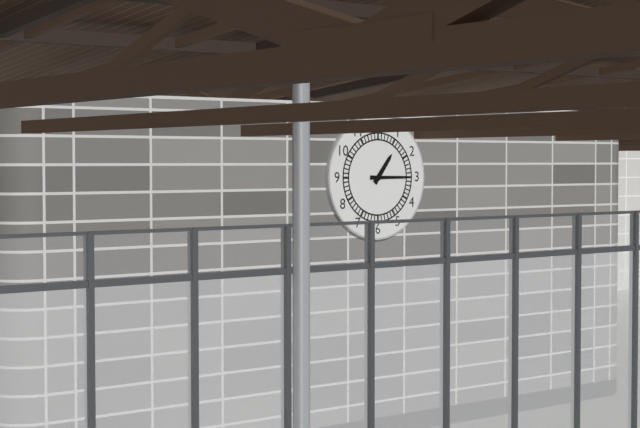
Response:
h=1 m=15
